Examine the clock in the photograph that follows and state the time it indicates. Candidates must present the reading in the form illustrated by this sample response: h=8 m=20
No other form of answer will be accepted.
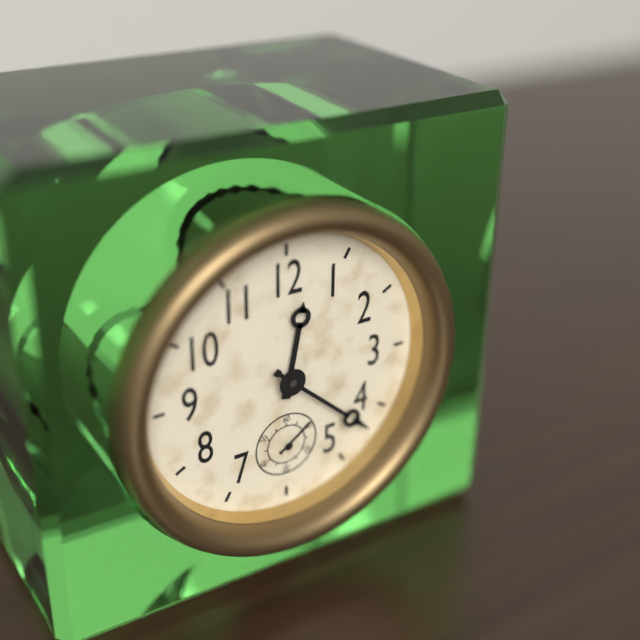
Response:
h=12 m=22
